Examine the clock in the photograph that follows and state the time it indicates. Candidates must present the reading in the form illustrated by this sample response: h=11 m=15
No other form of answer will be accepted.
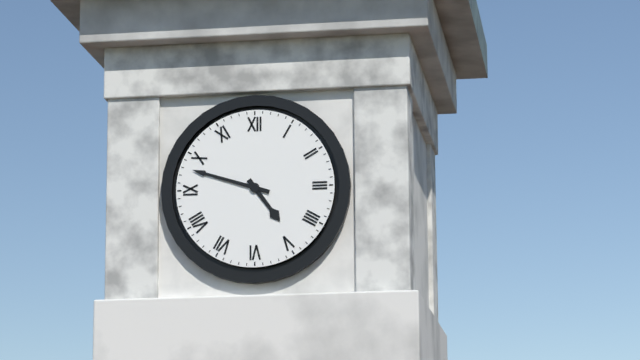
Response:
h=4 m=48
